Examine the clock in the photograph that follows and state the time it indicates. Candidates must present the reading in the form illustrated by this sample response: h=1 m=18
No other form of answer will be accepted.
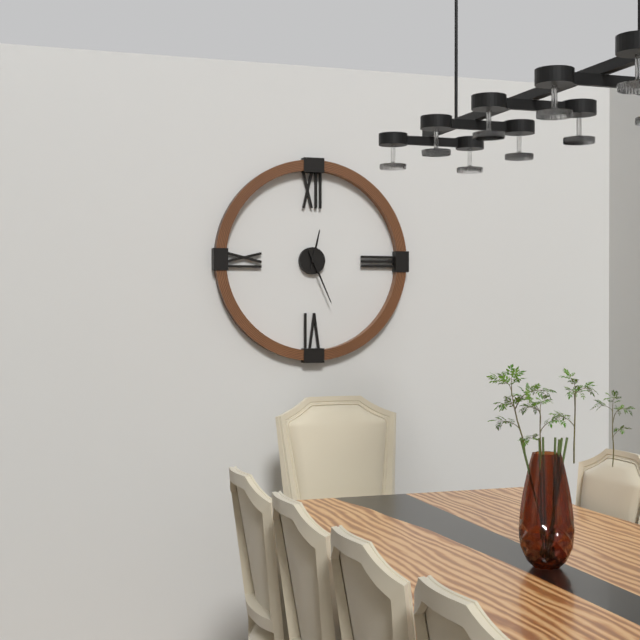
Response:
h=12 m=26
